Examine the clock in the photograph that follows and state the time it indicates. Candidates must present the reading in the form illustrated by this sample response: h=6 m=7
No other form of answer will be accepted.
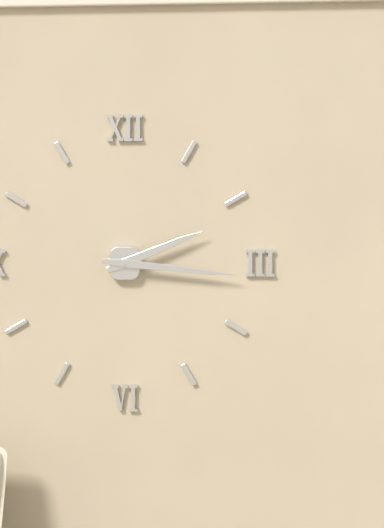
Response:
h=2 m=16
